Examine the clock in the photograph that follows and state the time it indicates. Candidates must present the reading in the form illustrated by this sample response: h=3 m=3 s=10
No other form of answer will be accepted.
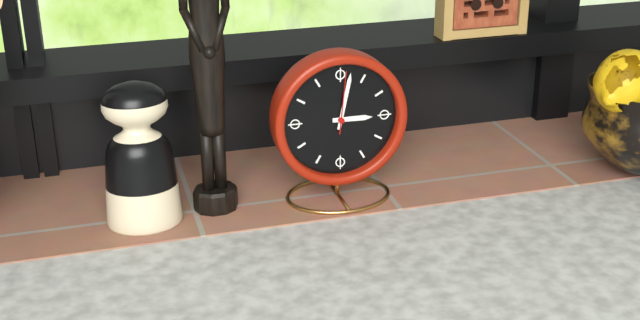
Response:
h=3 m=2 s=1
